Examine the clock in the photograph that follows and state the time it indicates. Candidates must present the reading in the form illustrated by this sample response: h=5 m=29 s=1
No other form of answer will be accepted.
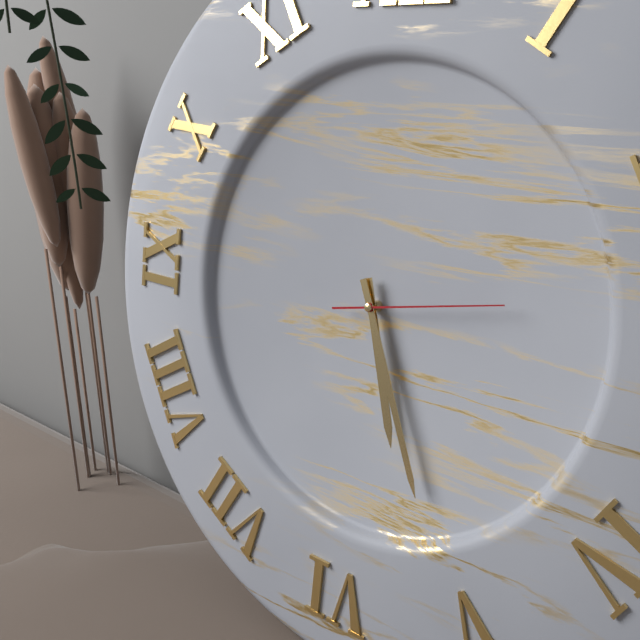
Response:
h=5 m=26 s=13
